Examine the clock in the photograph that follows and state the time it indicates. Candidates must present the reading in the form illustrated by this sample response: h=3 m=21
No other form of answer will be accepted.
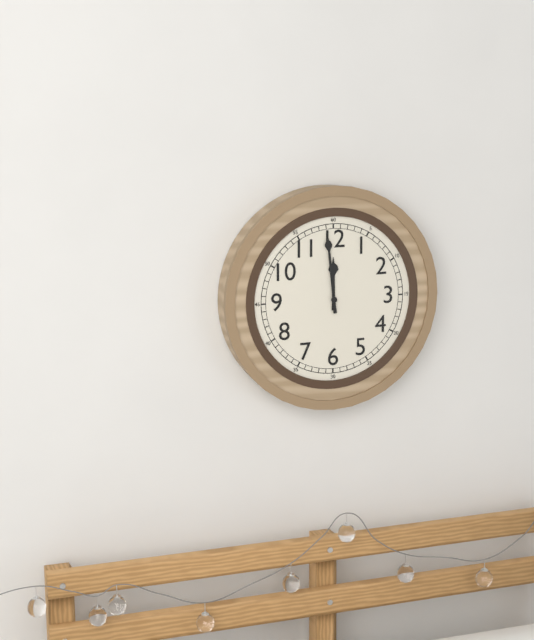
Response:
h=11 m=59
